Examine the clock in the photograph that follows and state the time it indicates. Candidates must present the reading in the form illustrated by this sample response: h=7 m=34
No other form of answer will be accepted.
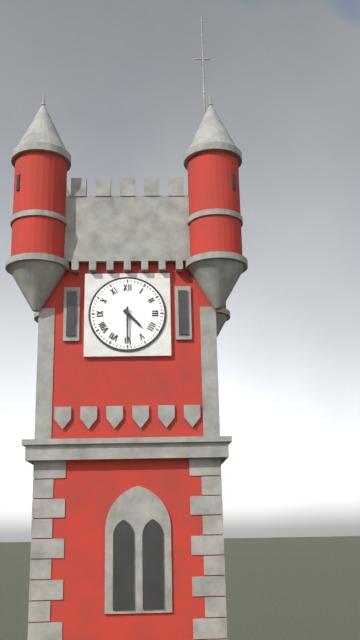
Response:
h=4 m=30
